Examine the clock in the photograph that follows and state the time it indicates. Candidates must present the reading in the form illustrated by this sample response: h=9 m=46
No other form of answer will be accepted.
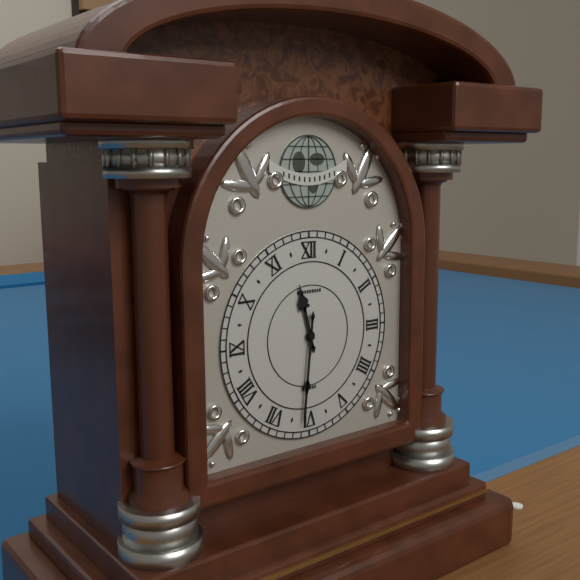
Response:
h=11 m=31
